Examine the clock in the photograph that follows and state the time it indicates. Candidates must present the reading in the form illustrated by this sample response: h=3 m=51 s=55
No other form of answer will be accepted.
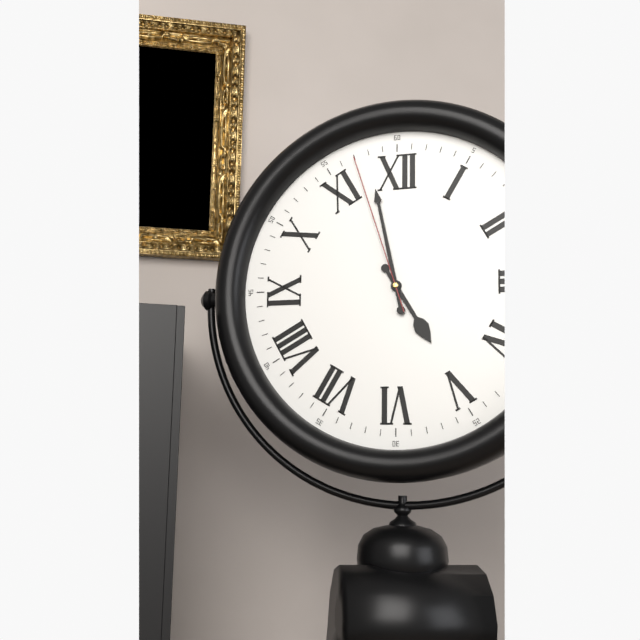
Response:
h=4 m=58 s=57
